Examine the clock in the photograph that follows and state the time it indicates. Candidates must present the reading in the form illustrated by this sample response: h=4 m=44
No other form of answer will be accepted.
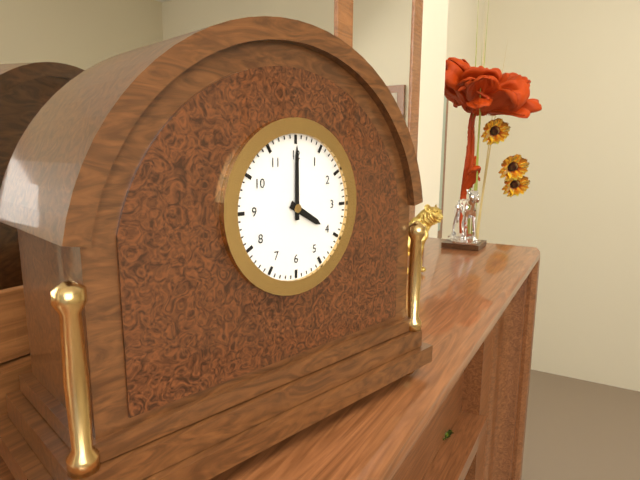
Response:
h=4 m=0
